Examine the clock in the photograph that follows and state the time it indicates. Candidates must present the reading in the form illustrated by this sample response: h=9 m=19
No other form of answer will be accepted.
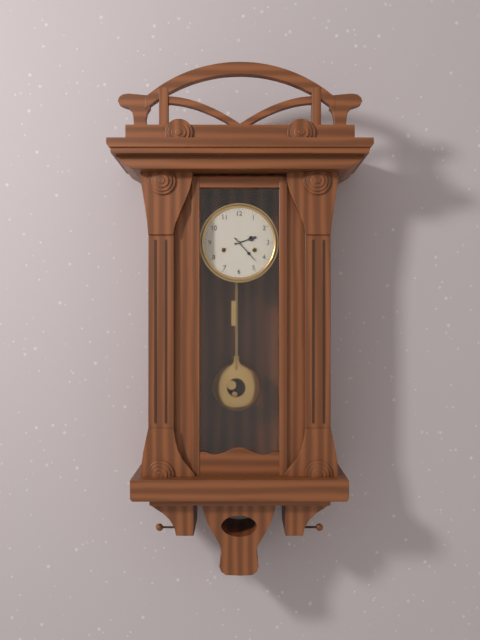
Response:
h=2 m=23
